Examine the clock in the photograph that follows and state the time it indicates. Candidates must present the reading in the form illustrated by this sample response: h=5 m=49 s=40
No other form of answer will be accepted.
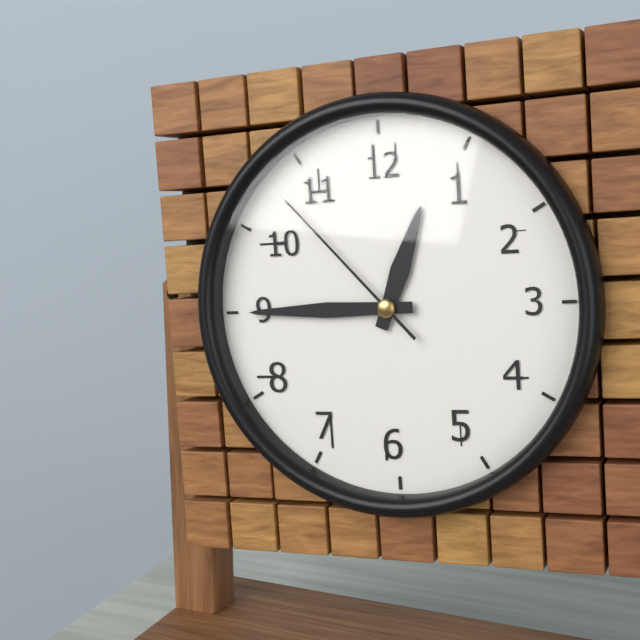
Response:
h=12 m=45 s=53
